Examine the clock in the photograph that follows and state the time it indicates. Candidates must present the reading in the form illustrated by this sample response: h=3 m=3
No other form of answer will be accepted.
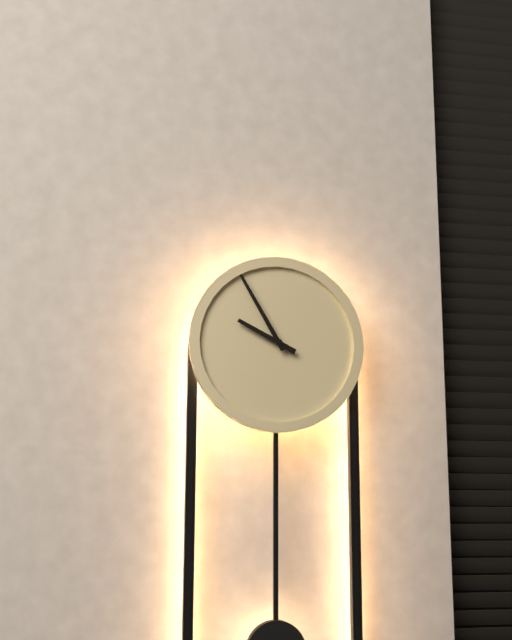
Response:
h=9 m=55
